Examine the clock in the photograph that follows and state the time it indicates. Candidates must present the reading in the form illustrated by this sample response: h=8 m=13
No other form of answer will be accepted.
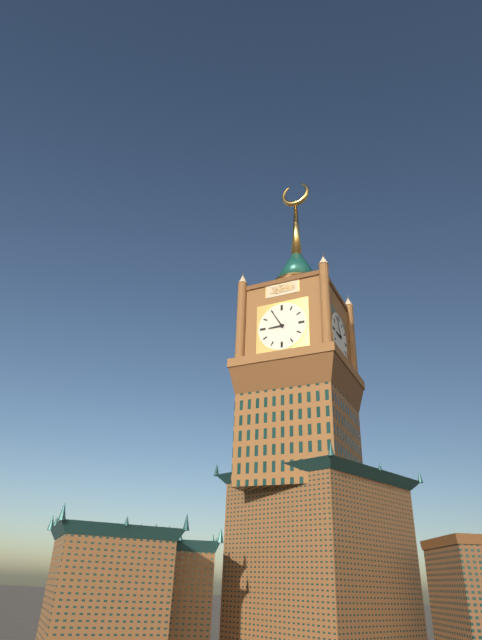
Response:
h=8 m=55
